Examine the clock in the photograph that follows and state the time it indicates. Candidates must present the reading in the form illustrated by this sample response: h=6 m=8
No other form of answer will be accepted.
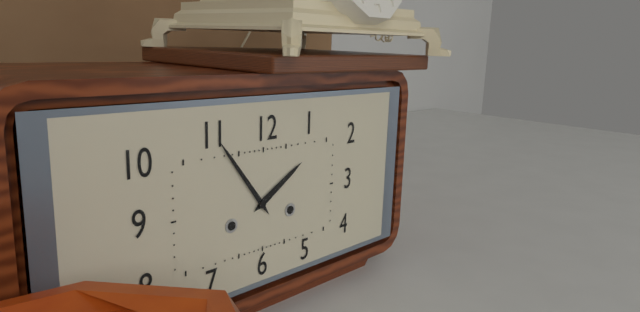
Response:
h=1 m=54
